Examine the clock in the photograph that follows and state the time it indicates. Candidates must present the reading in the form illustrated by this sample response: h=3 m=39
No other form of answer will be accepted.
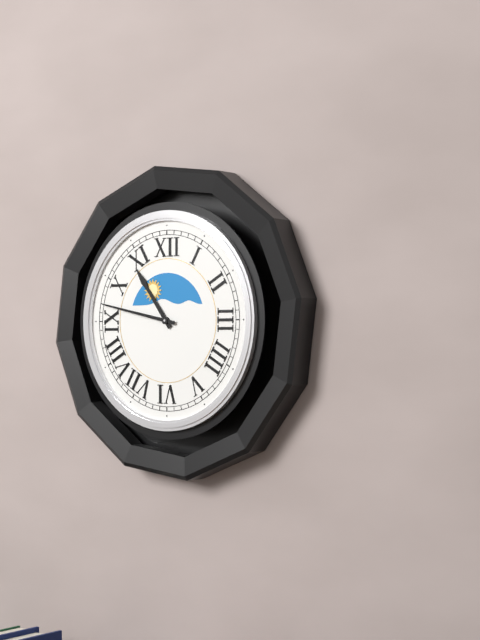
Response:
h=10 m=47
